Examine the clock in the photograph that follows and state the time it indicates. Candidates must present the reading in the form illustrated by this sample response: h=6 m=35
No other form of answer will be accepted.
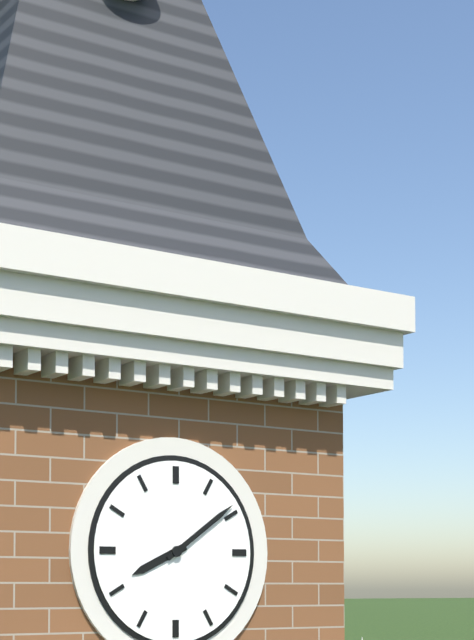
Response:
h=8 m=9
